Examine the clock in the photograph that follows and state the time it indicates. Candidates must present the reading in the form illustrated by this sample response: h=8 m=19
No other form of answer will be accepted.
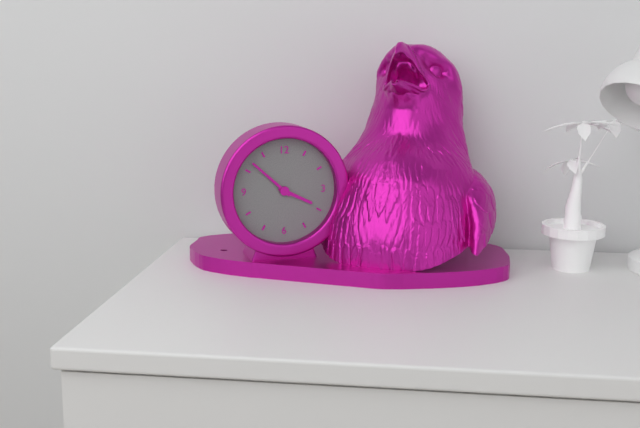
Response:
h=3 m=52
